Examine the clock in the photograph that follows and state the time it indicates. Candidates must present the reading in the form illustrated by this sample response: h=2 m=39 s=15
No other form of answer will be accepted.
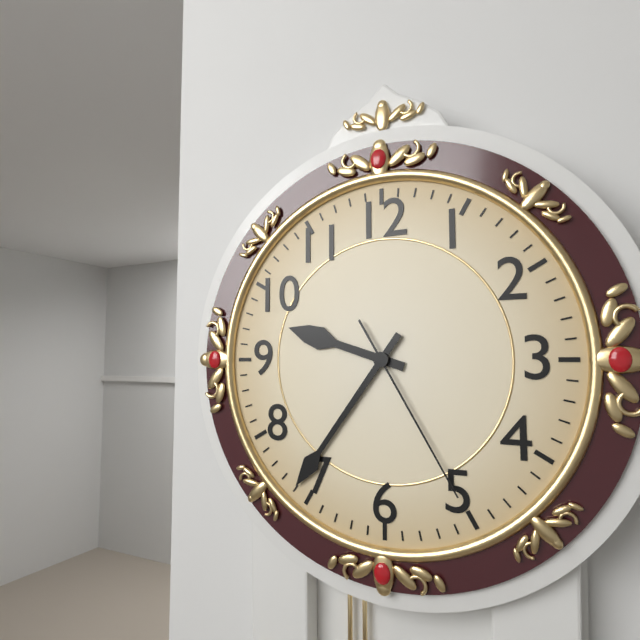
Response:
h=9 m=36 s=25
